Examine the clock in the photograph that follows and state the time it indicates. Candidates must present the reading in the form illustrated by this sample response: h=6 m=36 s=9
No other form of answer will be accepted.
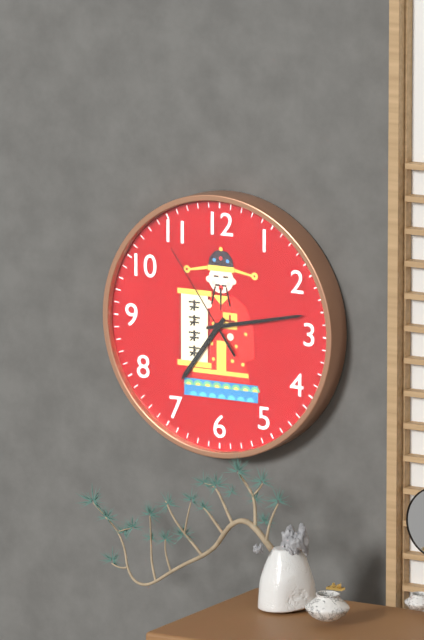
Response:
h=7 m=13 s=54
